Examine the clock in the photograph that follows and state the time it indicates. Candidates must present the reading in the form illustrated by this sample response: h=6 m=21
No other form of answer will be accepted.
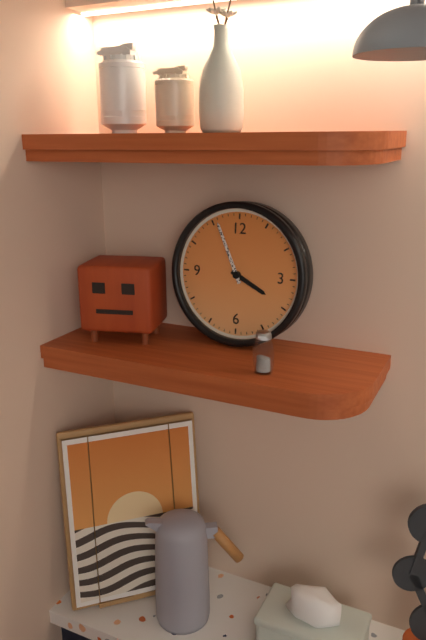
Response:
h=3 m=56
